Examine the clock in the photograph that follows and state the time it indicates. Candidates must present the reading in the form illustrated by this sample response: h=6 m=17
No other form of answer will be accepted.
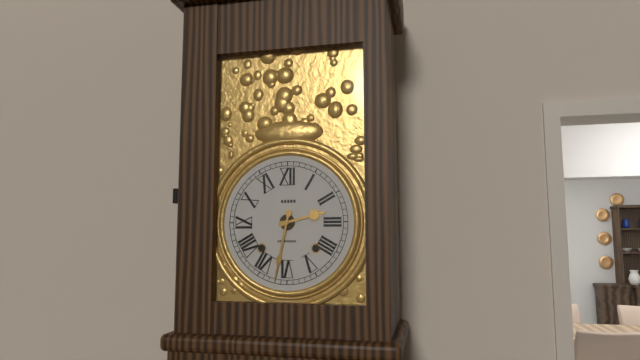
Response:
h=2 m=32
